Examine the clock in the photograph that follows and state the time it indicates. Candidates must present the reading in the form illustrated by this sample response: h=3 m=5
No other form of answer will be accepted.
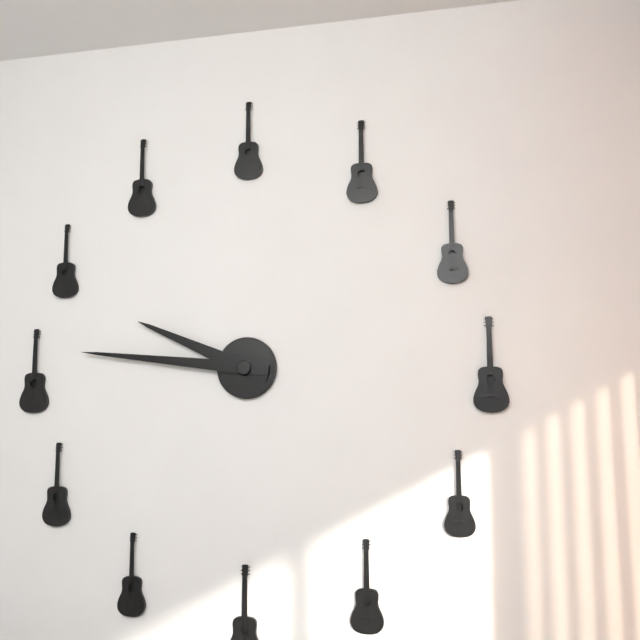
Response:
h=9 m=46
